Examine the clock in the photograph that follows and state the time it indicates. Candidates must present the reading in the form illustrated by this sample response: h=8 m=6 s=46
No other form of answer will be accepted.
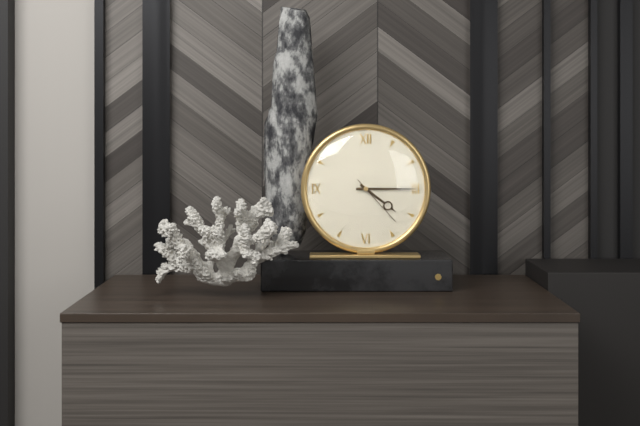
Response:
h=4 m=15 s=23
